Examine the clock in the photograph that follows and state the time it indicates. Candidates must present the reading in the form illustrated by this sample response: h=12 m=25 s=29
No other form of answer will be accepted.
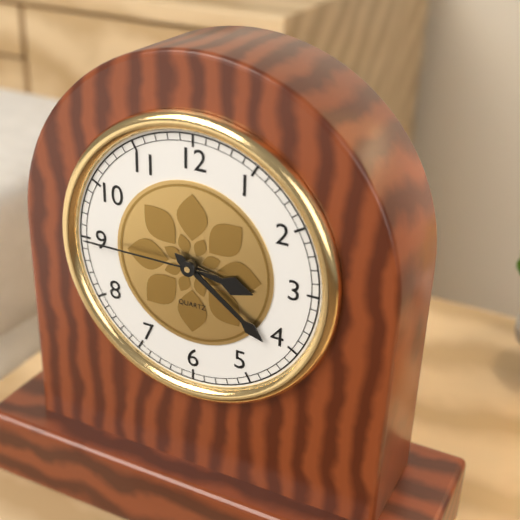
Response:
h=3 m=21 s=45
